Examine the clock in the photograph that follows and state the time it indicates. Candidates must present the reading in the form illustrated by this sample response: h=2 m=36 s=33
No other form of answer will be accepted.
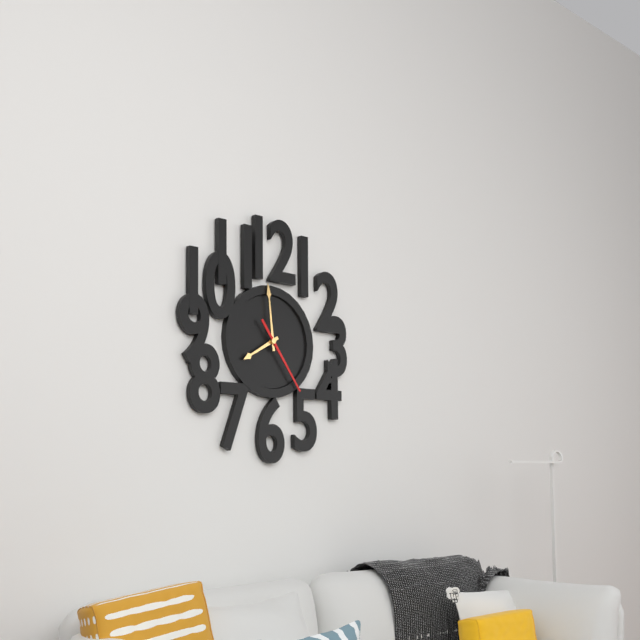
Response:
h=7 m=59 s=24
